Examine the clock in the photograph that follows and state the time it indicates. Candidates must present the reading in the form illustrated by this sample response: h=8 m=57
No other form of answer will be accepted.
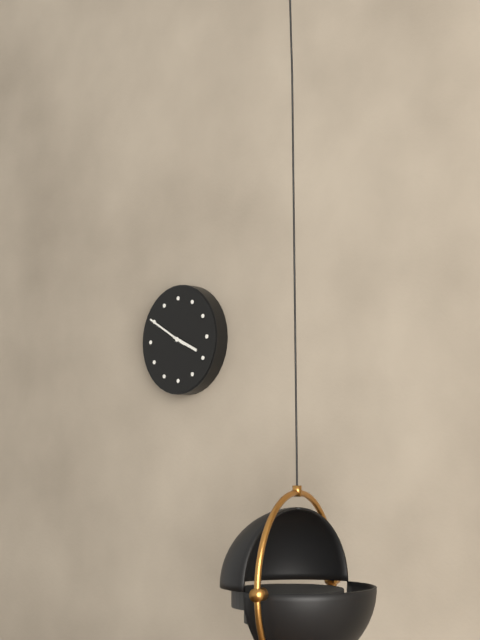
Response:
h=3 m=50
